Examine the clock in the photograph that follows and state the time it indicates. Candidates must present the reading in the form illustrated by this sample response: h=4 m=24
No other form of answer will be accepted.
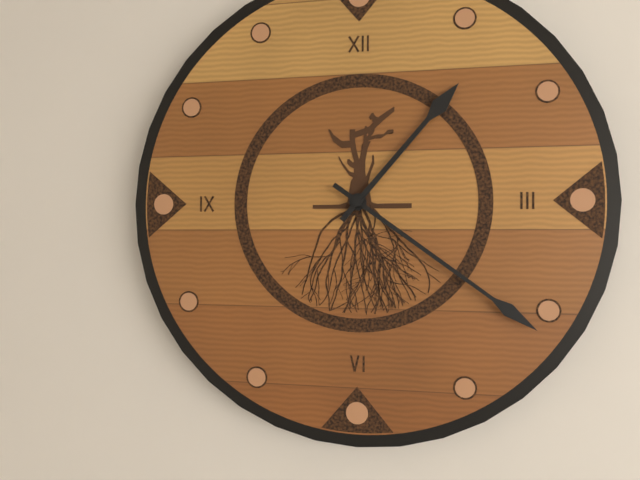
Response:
h=1 m=21
